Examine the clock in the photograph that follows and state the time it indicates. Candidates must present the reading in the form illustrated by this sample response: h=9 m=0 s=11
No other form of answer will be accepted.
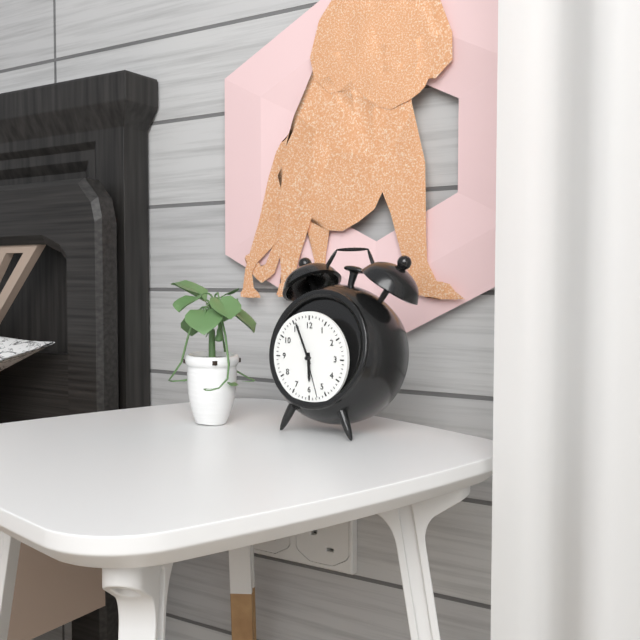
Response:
h=5 m=56 s=27
